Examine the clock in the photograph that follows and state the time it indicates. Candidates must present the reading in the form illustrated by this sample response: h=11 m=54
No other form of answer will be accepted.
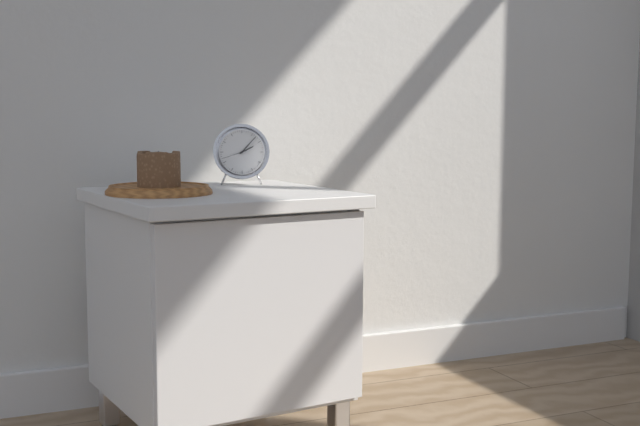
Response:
h=2 m=7
